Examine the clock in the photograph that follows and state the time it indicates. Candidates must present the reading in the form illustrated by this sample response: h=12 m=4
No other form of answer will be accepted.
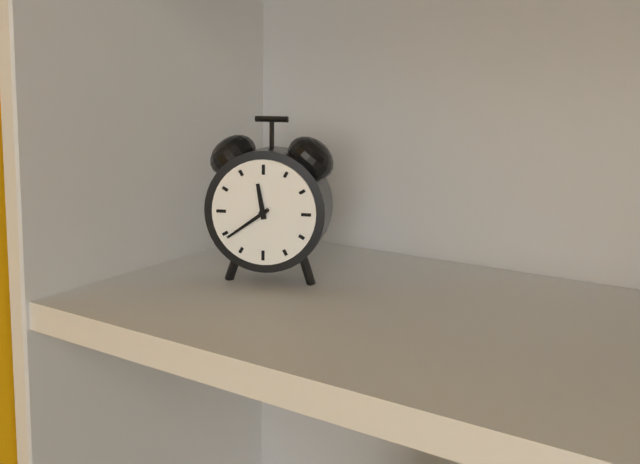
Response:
h=11 m=39
